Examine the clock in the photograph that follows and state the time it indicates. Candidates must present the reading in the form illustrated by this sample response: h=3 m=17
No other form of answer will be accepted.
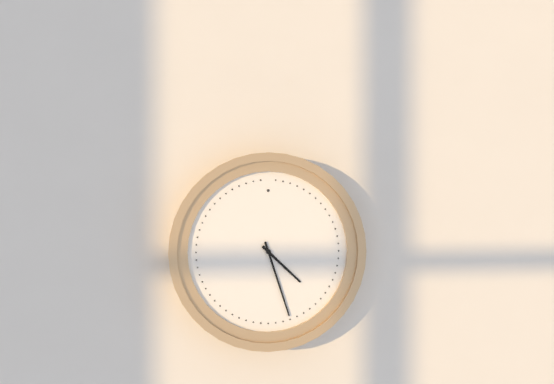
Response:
h=4 m=27
